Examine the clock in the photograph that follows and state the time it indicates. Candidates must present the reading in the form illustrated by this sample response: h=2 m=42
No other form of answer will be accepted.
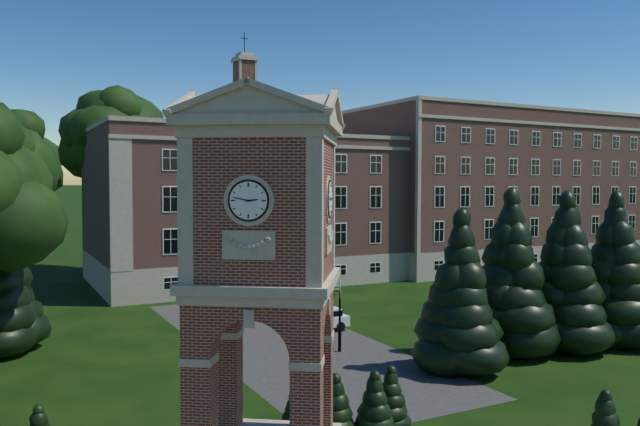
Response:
h=2 m=47
